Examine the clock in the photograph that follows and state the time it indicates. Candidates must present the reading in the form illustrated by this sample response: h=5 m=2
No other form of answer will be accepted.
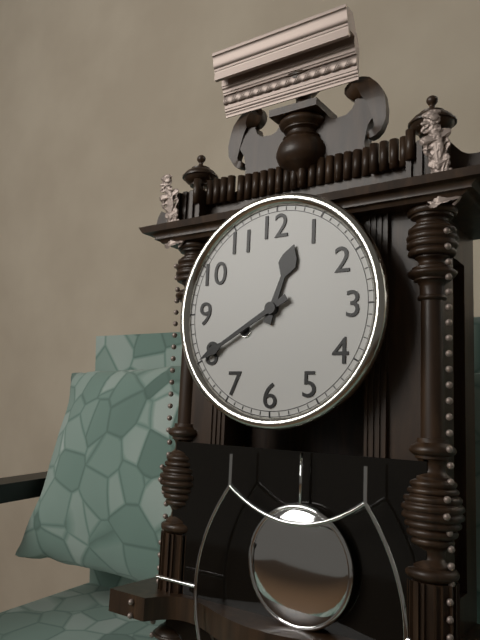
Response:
h=12 m=40
